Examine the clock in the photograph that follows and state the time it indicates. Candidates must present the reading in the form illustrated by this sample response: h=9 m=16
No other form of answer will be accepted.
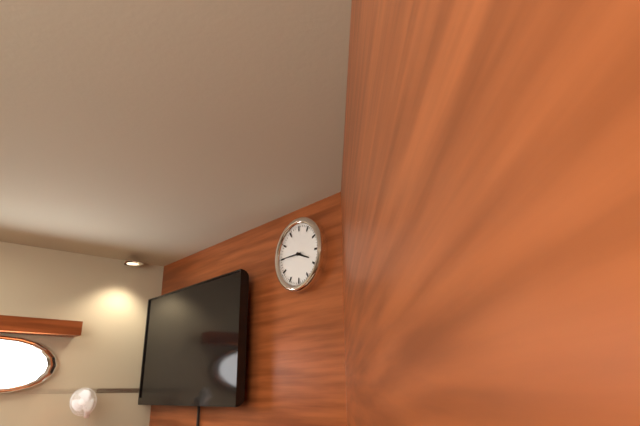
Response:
h=3 m=45
